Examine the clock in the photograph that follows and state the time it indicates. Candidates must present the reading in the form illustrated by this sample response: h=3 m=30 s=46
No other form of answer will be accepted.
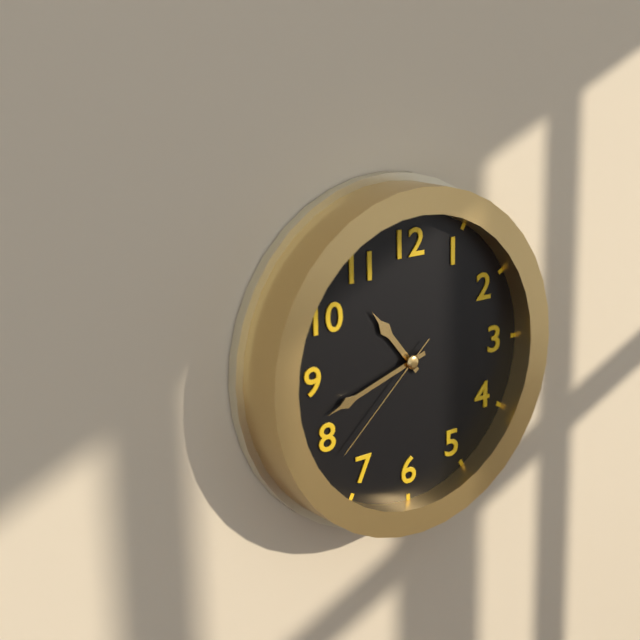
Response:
h=10 m=42 s=38
